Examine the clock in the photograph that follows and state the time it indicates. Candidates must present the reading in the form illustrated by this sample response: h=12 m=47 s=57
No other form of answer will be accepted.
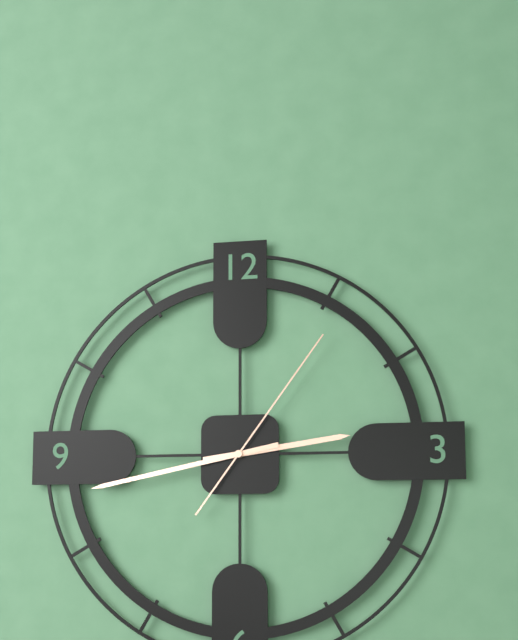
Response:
h=2 m=43 s=6
